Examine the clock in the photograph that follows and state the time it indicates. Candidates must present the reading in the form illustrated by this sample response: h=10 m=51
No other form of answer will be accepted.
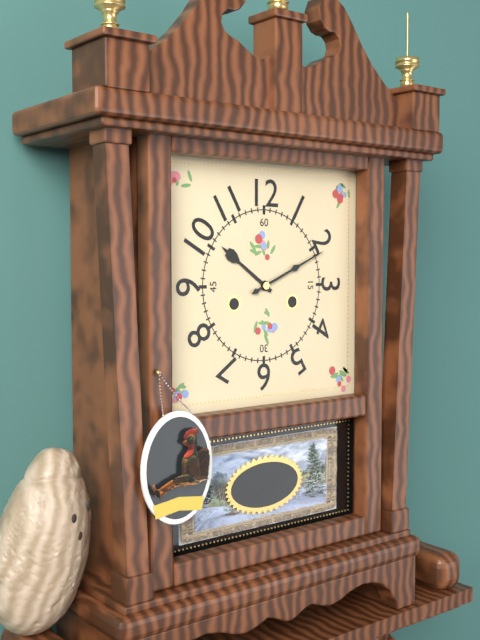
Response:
h=10 m=11
